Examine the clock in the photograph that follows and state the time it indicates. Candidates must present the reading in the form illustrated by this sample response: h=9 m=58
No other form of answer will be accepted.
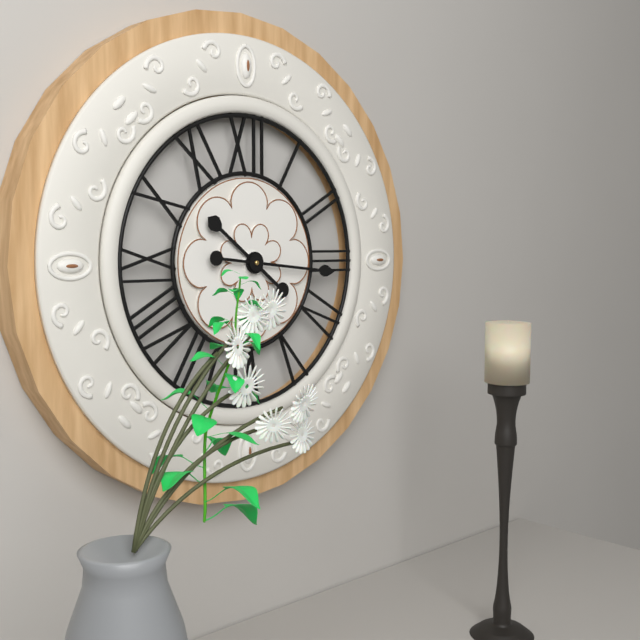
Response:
h=10 m=16
